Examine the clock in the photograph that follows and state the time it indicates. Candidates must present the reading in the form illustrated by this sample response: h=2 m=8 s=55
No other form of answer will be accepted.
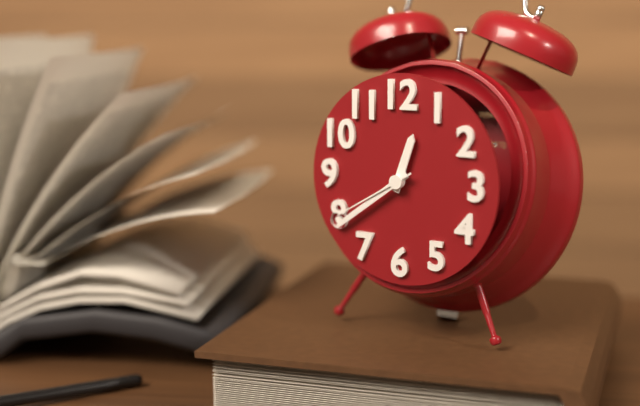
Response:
h=12 m=39 s=40
